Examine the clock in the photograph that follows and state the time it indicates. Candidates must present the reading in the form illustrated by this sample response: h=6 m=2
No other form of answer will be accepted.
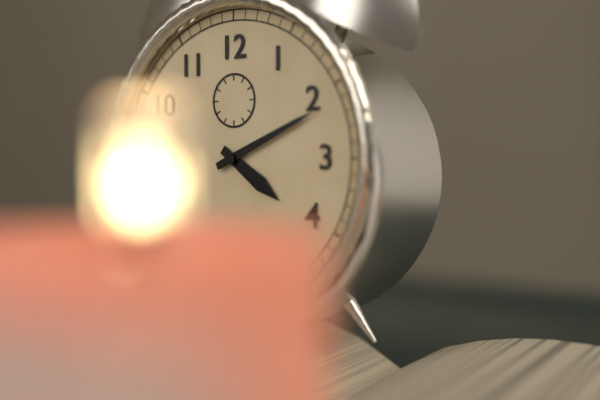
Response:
h=4 m=11
